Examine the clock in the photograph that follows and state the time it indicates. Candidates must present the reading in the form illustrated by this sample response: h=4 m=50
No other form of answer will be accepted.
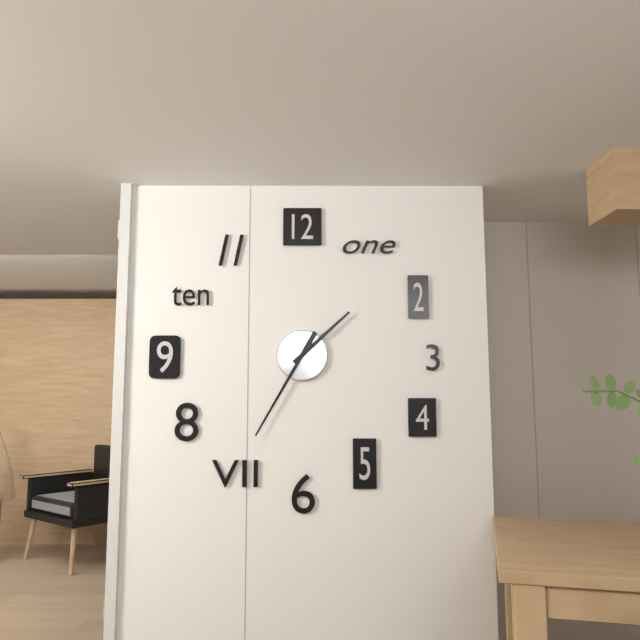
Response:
h=1 m=35
